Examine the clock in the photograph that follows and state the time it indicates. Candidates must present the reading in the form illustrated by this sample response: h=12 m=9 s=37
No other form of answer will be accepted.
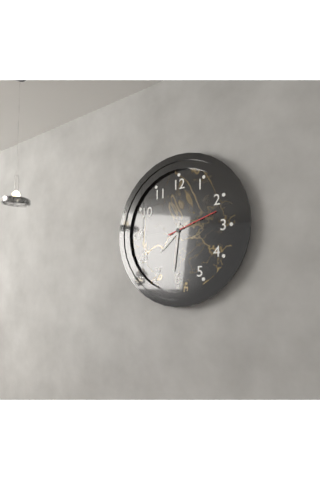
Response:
h=7 m=31 s=12
